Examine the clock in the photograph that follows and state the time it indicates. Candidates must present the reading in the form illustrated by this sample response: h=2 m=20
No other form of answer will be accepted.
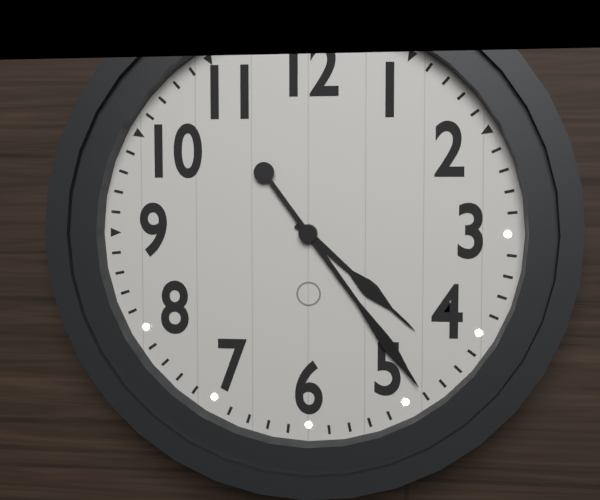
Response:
h=4 m=24
